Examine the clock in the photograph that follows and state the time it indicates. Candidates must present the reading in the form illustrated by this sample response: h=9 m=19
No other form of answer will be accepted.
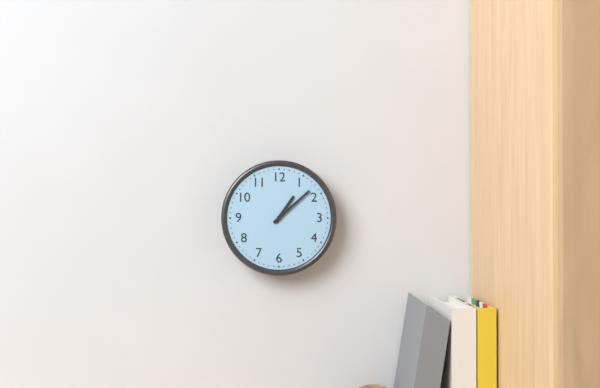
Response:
h=1 m=8
